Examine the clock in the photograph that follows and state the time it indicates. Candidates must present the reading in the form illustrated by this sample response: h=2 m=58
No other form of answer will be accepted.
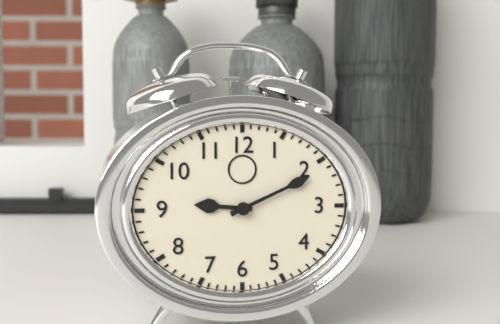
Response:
h=9 m=11
